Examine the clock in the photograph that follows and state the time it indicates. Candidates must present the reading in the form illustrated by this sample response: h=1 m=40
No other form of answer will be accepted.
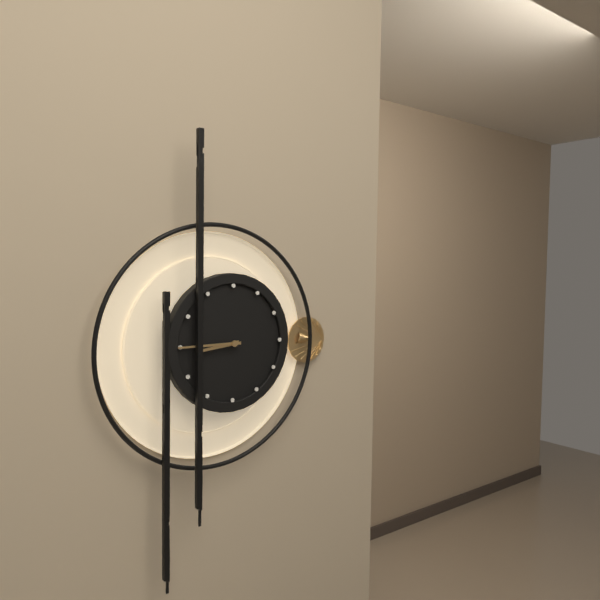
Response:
h=8 m=45
